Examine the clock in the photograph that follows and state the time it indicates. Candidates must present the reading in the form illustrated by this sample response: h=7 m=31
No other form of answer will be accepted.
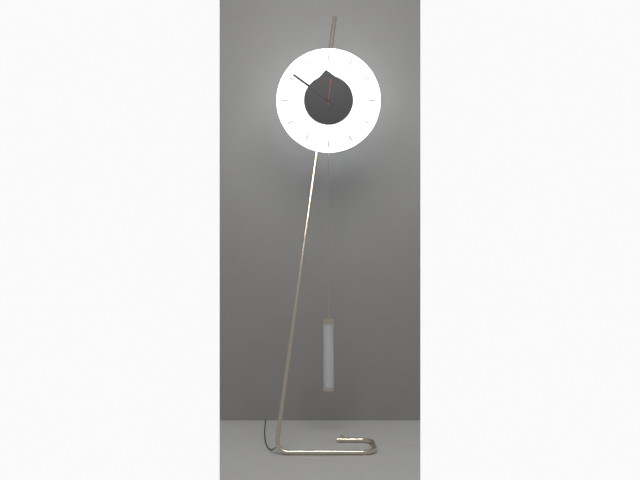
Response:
h=11 m=51
